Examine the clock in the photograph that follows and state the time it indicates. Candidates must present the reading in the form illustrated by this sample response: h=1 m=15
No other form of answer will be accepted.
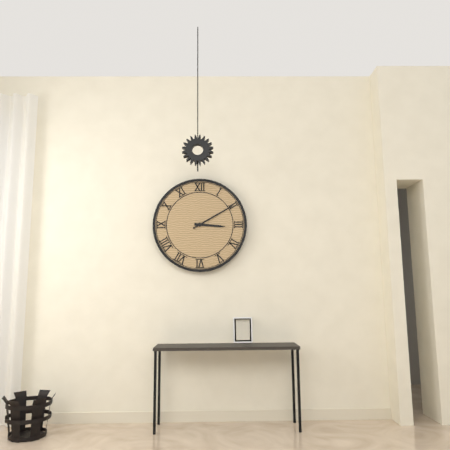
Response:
h=3 m=10
